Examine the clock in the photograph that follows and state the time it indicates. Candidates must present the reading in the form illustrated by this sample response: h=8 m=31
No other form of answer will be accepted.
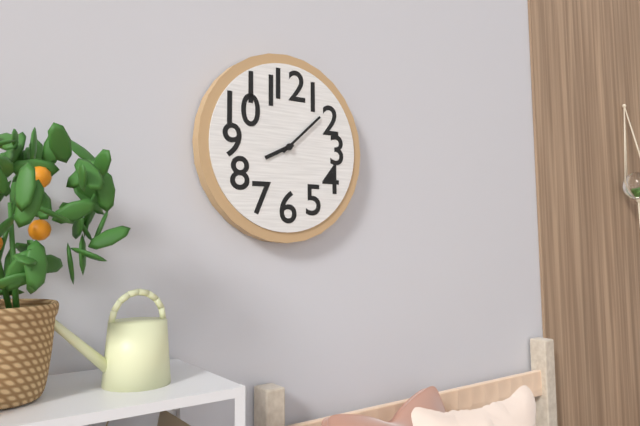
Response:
h=8 m=8
